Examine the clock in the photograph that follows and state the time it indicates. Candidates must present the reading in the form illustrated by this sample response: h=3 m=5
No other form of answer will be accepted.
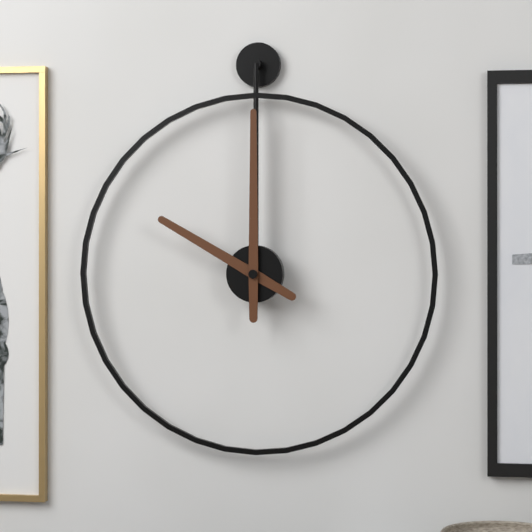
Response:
h=10 m=0
